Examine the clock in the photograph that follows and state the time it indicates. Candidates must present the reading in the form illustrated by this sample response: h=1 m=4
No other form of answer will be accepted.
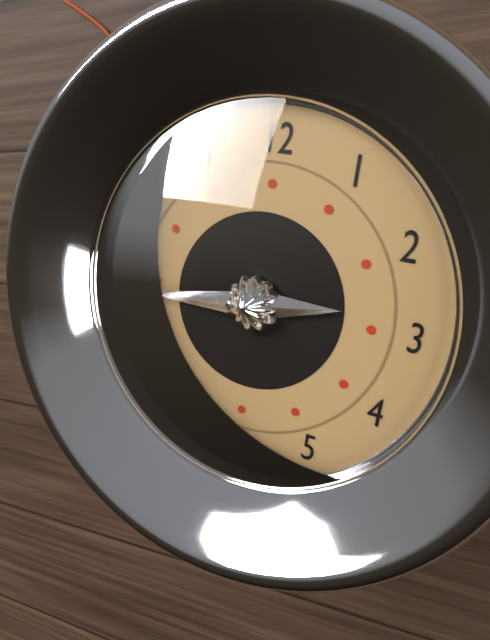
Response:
h=2 m=44
